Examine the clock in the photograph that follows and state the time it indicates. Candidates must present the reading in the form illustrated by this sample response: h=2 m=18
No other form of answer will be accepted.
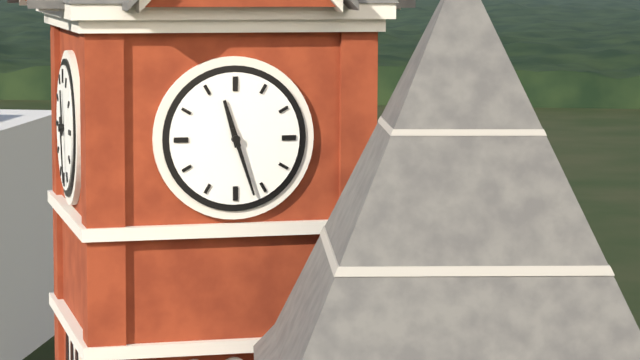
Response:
h=11 m=27
